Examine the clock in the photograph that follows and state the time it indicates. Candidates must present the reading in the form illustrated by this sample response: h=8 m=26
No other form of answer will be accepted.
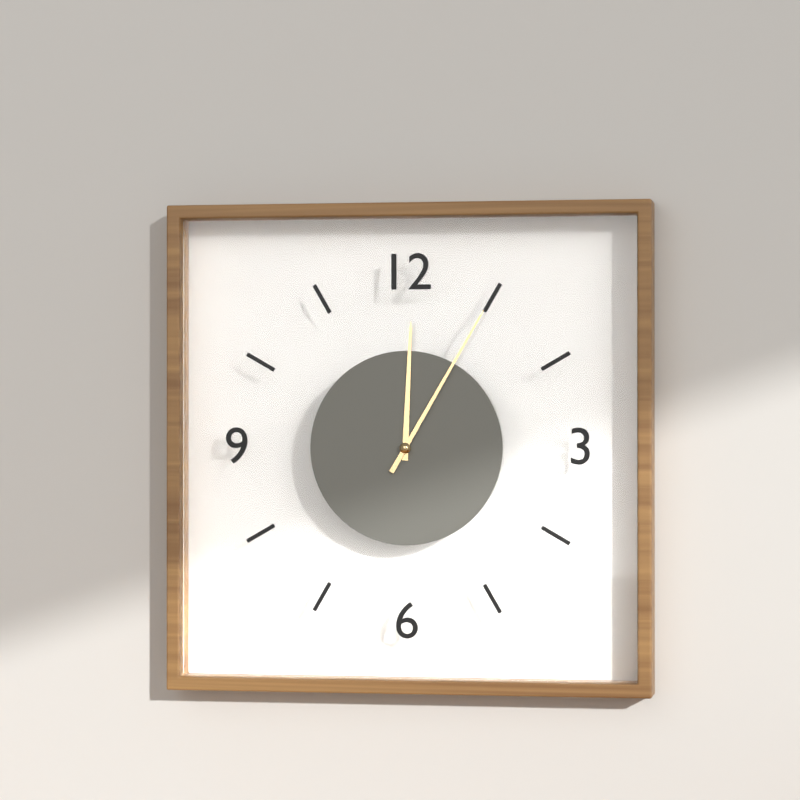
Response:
h=12 m=5
